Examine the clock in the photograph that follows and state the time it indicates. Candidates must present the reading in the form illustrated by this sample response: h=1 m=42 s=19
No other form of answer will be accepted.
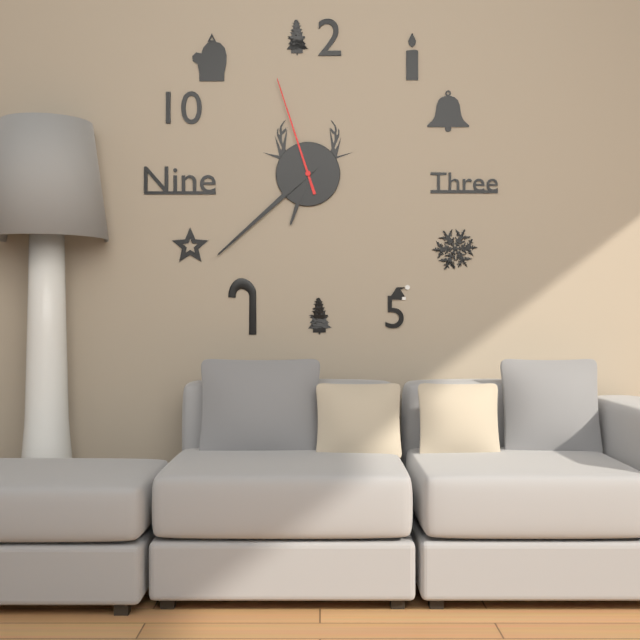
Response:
h=6 m=38 s=57
